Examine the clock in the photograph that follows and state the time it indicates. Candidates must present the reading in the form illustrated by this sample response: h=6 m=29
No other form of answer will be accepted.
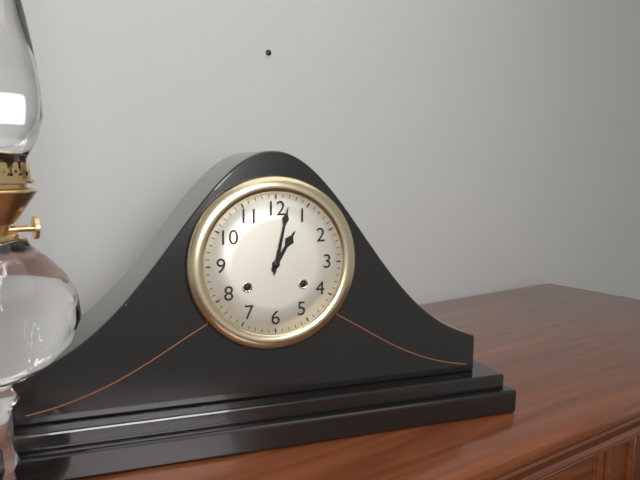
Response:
h=1 m=2
